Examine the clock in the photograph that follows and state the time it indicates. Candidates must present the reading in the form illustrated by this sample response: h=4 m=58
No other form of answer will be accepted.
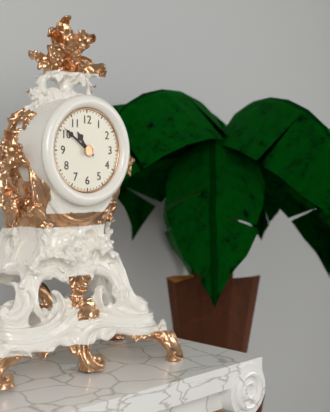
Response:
h=10 m=51
